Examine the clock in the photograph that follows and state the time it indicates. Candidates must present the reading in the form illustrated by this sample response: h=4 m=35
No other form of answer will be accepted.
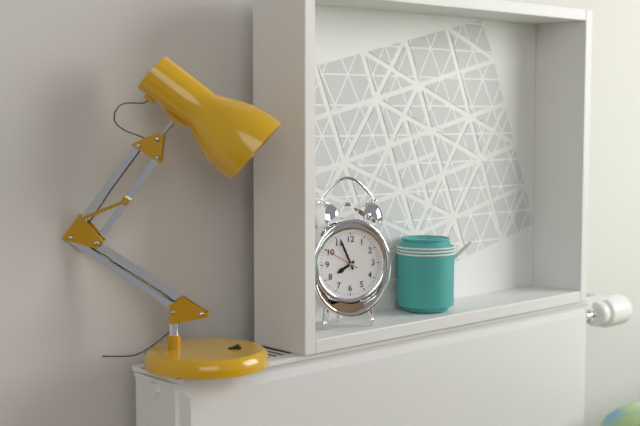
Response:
h=7 m=56
